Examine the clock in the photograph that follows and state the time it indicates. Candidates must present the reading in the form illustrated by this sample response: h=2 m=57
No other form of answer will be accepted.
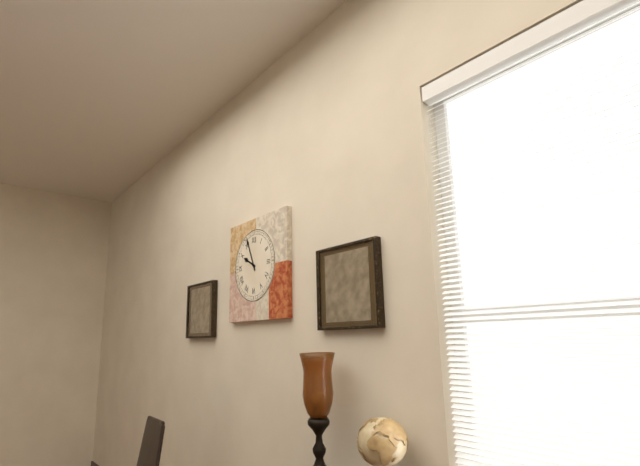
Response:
h=9 m=56
